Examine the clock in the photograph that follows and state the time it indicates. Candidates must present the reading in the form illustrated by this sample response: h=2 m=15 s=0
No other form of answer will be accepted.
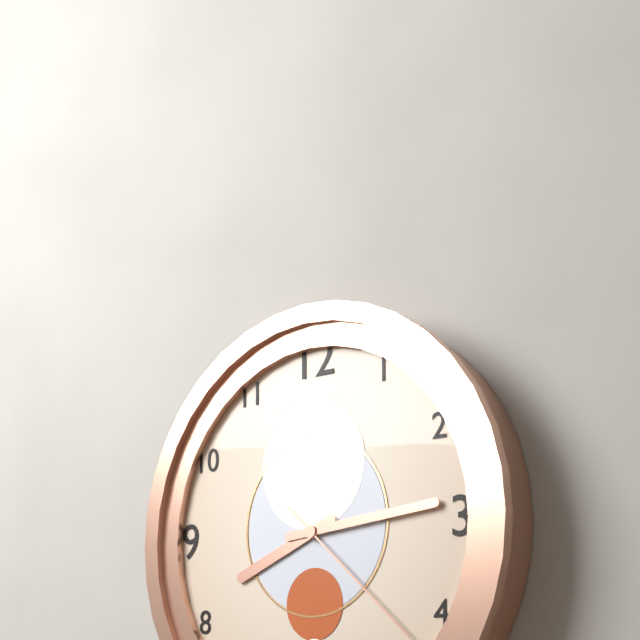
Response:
h=8 m=14 s=22
